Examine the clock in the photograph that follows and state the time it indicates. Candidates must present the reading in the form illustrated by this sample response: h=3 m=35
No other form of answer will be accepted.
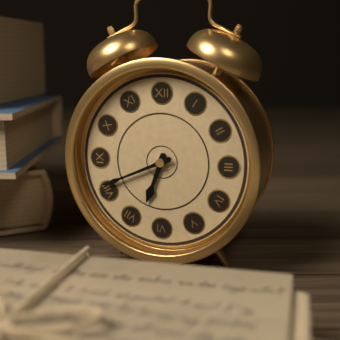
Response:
h=6 m=41
